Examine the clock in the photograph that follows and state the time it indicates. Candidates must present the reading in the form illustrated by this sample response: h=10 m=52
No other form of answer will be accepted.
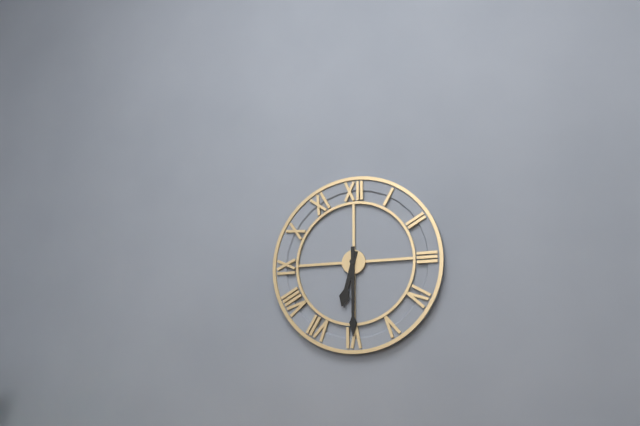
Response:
h=6 m=30
